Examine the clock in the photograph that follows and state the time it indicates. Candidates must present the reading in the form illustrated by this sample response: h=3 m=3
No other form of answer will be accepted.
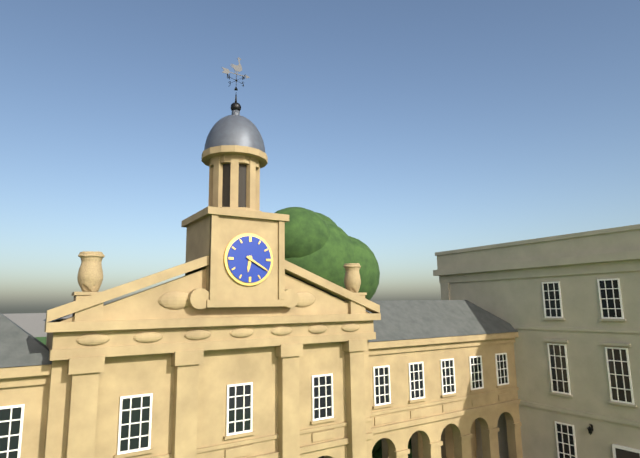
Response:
h=6 m=20
